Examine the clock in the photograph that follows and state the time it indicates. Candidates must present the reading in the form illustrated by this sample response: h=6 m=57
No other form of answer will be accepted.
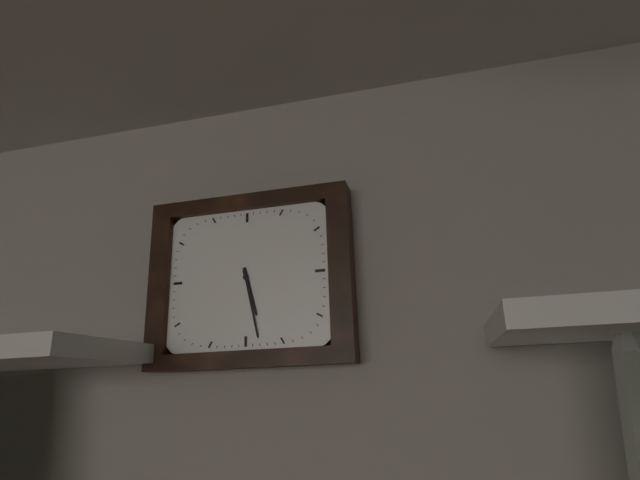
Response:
h=5 m=28
